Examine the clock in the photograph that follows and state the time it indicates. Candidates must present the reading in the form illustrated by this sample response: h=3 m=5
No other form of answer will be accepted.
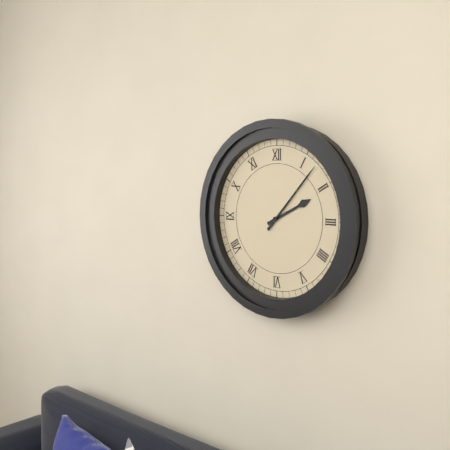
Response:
h=2 m=7
